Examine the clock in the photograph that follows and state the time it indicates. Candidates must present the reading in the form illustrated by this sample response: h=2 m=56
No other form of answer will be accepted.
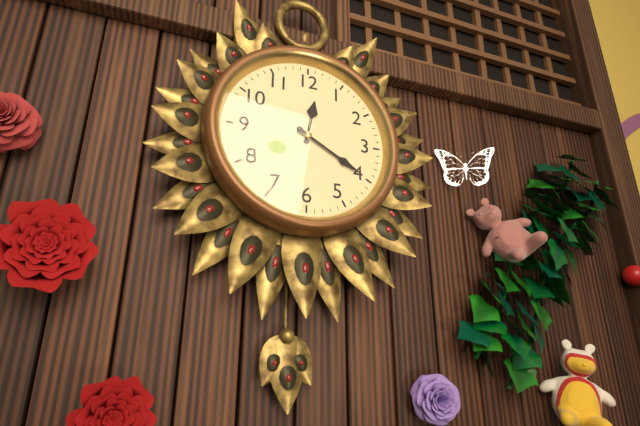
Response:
h=12 m=20
